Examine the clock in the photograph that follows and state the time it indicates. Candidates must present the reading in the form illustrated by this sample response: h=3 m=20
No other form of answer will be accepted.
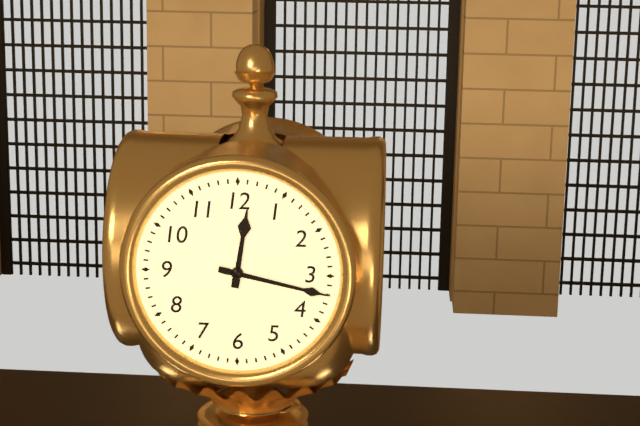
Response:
h=12 m=17
